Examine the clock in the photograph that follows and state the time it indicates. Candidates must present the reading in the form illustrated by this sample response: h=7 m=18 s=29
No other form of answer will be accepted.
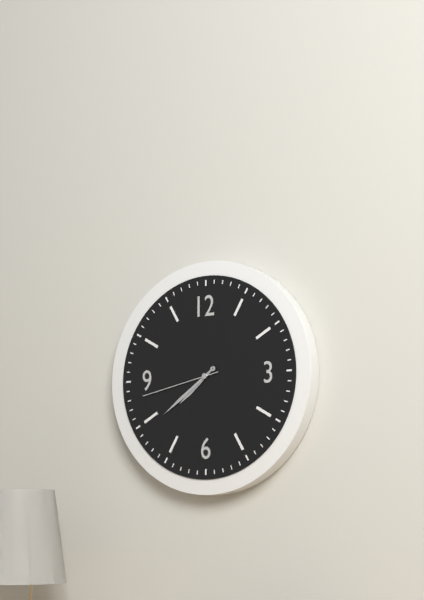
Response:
h=7 m=39 s=43
